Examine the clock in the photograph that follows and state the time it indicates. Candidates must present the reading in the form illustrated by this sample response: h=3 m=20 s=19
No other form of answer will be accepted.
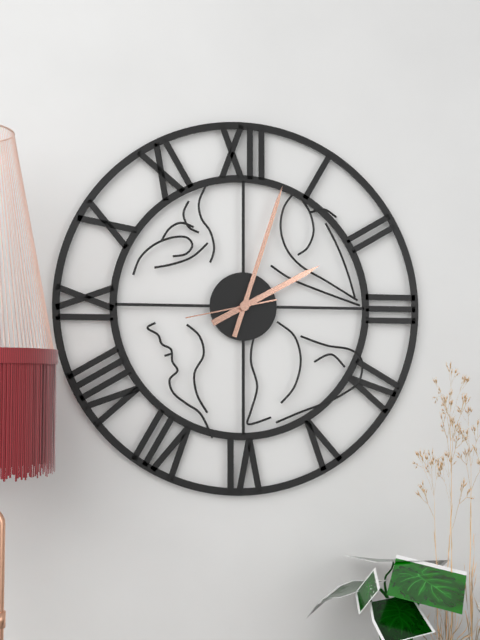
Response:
h=2 m=3 s=43
